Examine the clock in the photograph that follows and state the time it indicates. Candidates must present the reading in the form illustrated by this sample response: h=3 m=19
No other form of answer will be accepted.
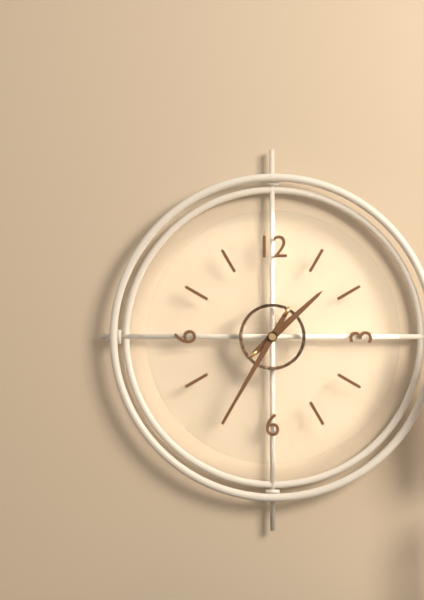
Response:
h=1 m=35
